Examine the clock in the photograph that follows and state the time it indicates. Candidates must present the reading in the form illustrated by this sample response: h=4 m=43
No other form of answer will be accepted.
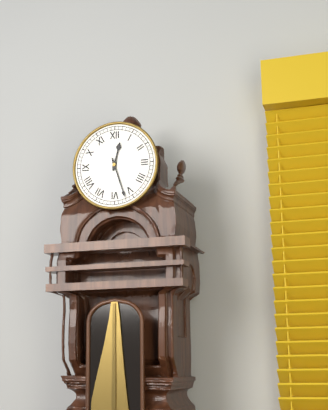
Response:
h=12 m=27
